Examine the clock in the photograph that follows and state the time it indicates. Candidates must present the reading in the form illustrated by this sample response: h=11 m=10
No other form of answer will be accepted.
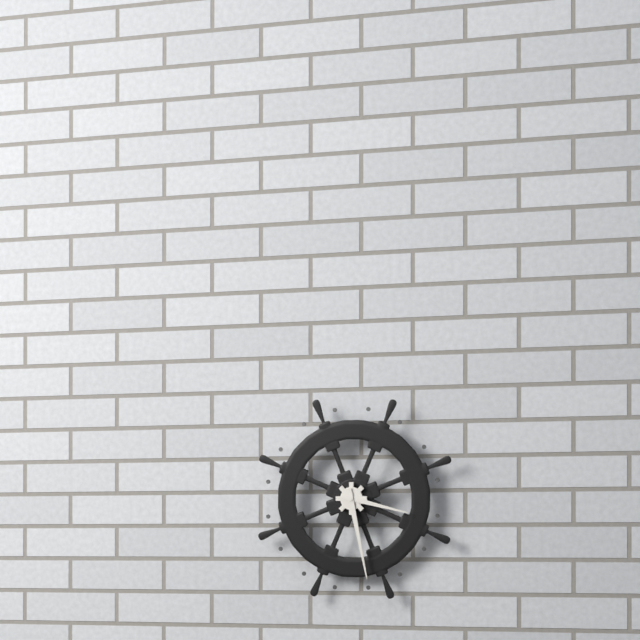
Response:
h=3 m=28
